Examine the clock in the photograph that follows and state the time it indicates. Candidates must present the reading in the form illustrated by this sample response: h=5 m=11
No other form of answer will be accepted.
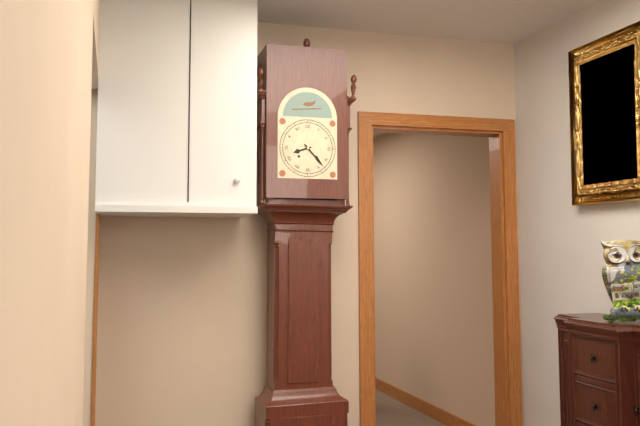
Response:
h=8 m=23
